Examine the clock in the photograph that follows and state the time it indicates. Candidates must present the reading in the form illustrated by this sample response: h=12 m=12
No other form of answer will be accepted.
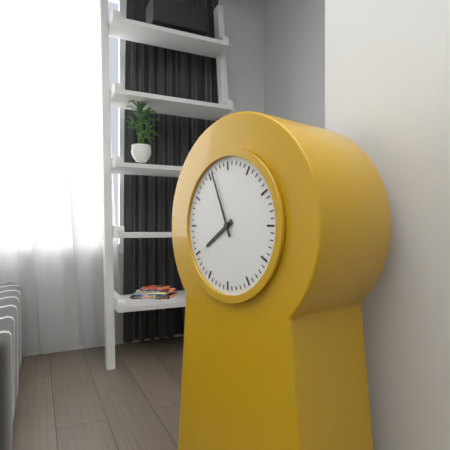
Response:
h=7 m=56
